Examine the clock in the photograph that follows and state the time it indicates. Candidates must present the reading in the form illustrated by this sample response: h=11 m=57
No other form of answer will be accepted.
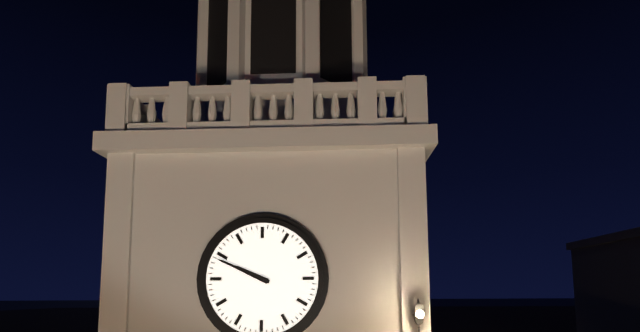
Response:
h=9 m=49
